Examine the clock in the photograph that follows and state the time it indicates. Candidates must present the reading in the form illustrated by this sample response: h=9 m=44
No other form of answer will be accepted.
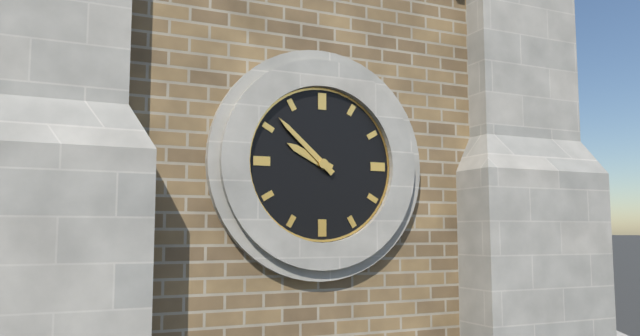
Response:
h=9 m=52
